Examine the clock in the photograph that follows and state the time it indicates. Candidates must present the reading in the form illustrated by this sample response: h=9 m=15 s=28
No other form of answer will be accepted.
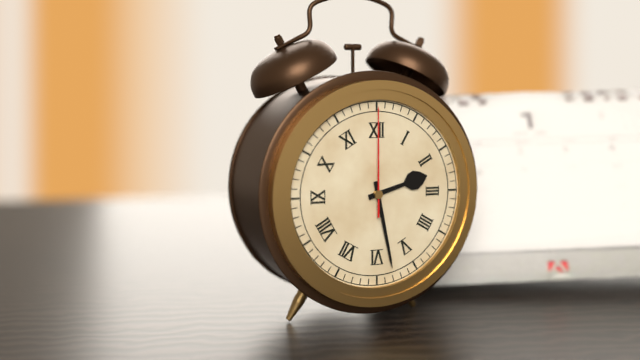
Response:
h=2 m=28 s=0
